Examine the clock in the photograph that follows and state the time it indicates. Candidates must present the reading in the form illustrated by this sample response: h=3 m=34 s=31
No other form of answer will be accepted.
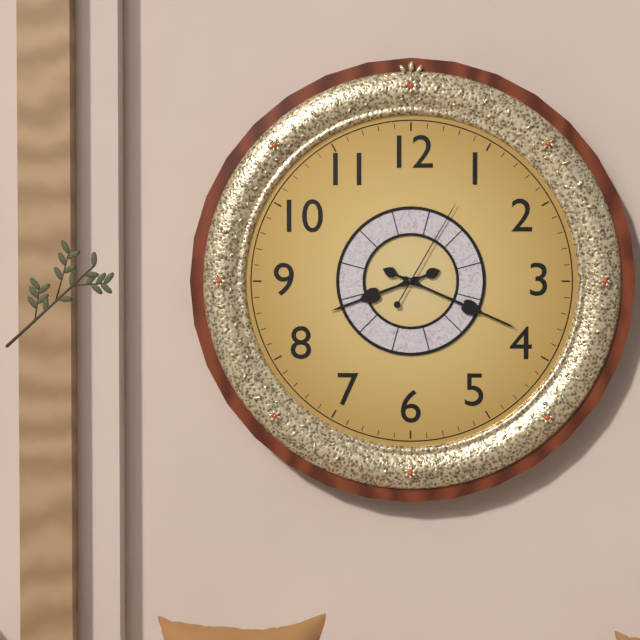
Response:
h=8 m=19 s=5
